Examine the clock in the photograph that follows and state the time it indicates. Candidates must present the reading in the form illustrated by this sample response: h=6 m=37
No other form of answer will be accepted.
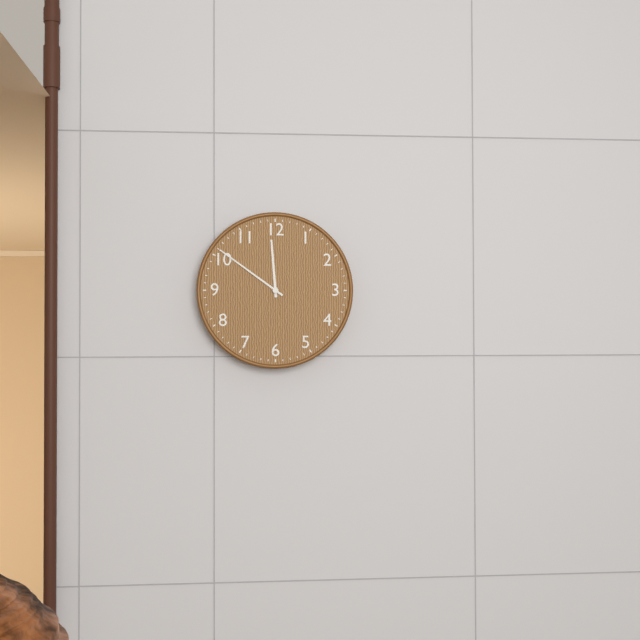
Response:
h=11 m=51
